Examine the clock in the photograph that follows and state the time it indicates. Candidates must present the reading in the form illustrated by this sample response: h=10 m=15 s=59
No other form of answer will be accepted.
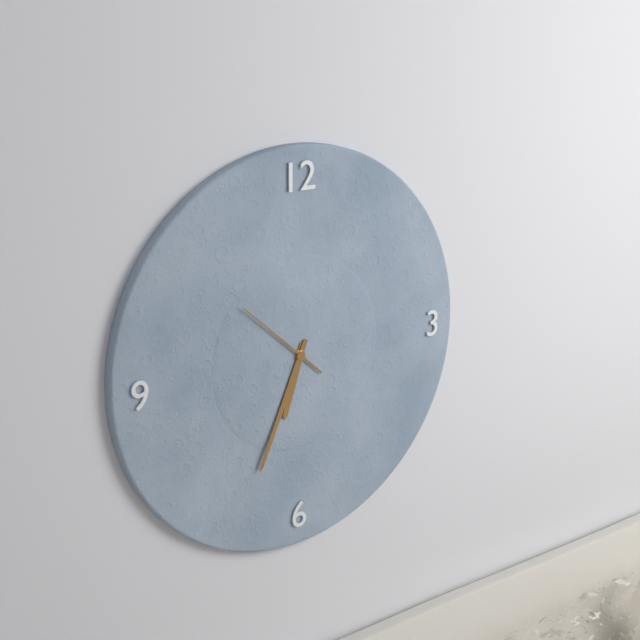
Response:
h=6 m=34 s=52
